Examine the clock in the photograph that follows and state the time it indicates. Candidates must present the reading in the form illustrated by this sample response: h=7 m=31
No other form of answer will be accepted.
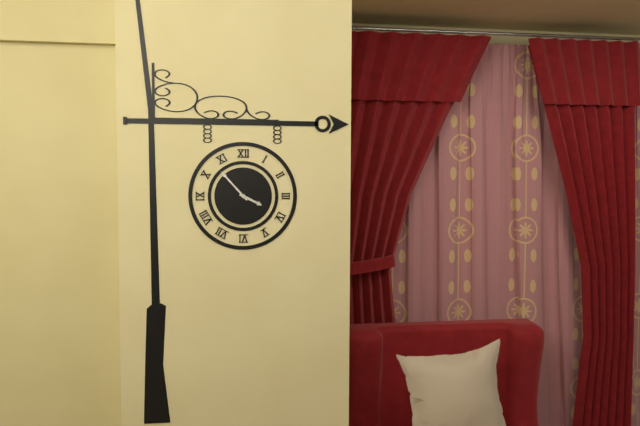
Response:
h=3 m=53
